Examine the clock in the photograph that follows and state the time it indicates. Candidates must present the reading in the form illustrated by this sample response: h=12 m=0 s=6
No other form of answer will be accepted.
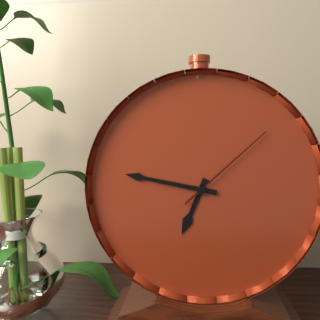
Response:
h=6 m=47 s=8
